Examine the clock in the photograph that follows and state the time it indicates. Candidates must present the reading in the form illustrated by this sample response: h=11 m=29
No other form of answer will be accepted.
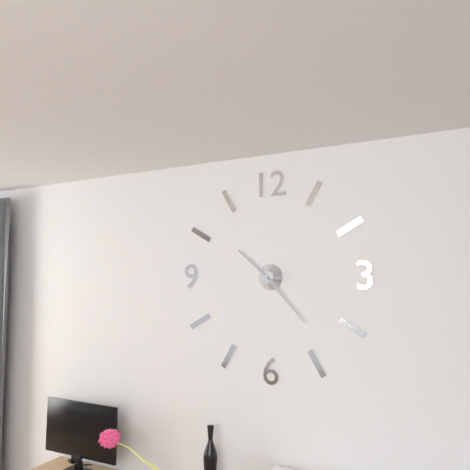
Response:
h=10 m=23
